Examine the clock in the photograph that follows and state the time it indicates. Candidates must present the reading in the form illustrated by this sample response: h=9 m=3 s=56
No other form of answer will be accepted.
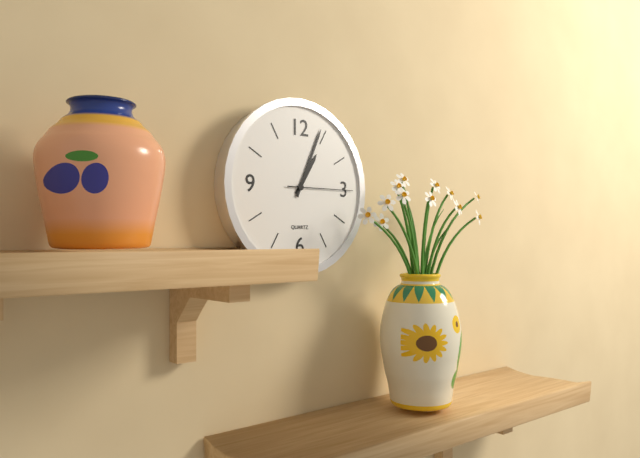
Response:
h=1 m=4 s=15
